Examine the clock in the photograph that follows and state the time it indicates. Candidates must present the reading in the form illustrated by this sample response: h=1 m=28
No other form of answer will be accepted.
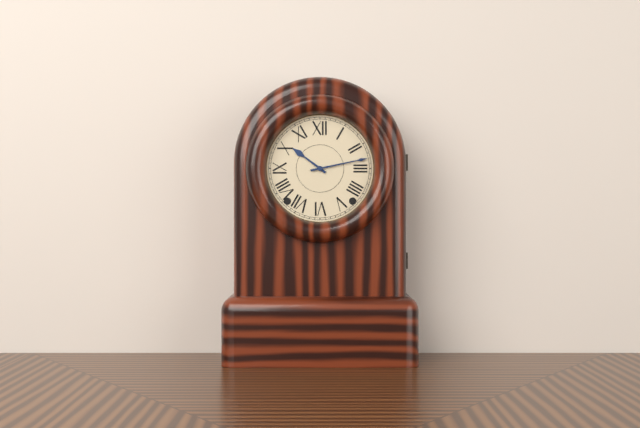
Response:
h=10 m=13
